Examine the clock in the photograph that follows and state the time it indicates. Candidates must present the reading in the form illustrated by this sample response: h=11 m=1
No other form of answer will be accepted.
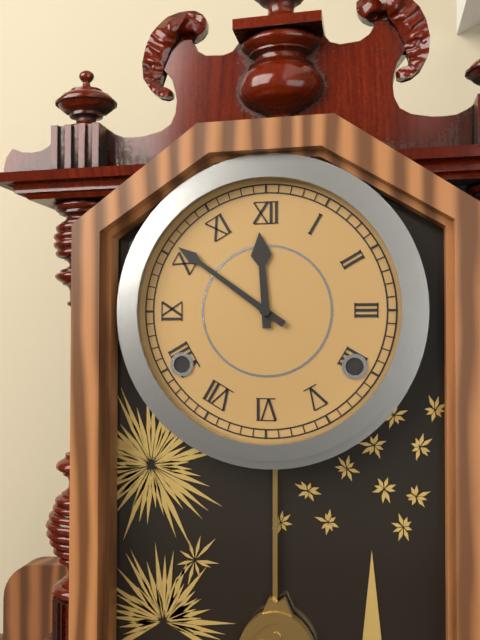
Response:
h=11 m=51
